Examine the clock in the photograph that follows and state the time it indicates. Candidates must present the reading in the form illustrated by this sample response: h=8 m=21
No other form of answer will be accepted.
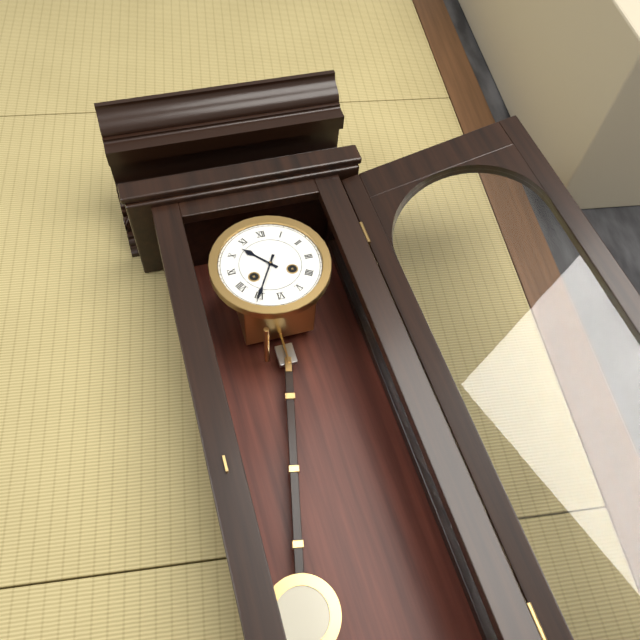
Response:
h=10 m=35
